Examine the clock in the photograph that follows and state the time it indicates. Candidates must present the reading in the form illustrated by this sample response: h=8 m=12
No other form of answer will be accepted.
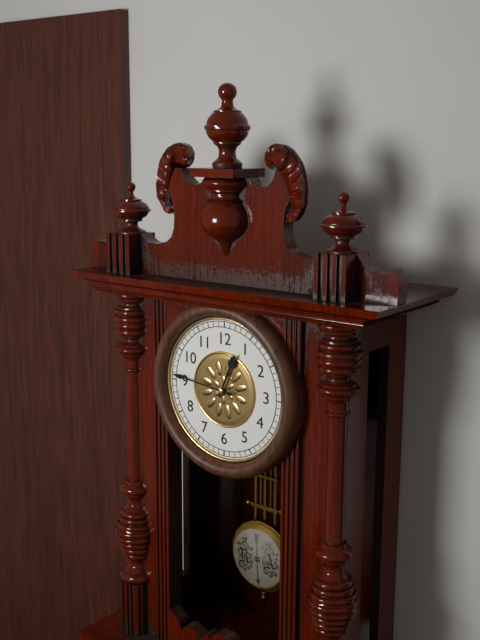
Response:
h=12 m=46
